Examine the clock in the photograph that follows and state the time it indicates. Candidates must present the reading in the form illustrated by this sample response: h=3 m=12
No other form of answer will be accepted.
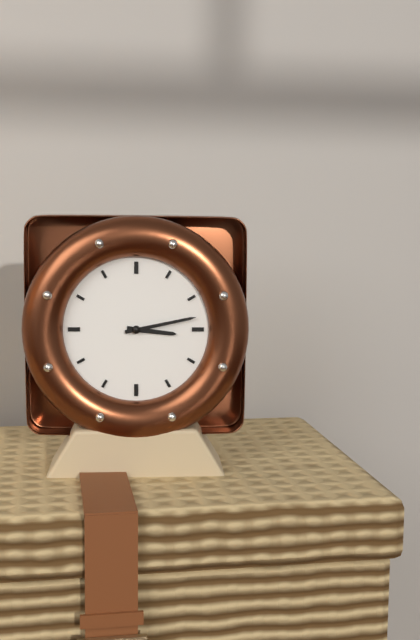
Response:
h=3 m=13
